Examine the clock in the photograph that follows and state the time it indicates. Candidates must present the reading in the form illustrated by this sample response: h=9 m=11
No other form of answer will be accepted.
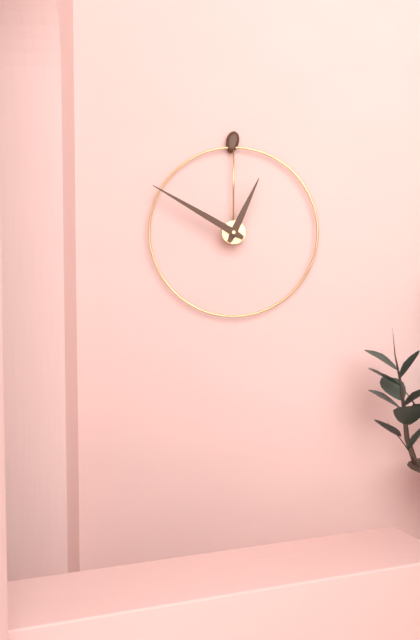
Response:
h=12 m=50
